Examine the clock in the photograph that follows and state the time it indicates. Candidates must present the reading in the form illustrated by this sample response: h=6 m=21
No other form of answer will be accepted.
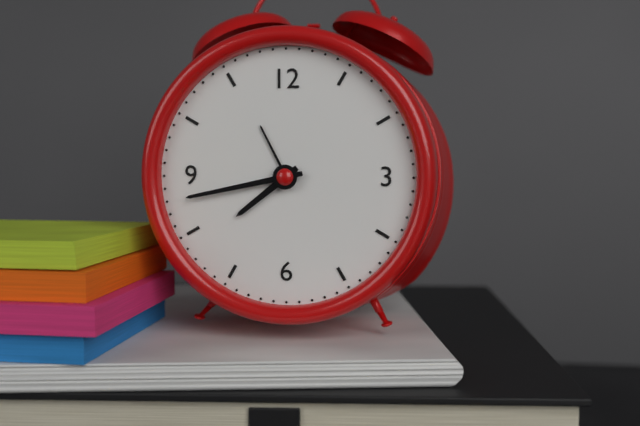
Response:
h=7 m=43
